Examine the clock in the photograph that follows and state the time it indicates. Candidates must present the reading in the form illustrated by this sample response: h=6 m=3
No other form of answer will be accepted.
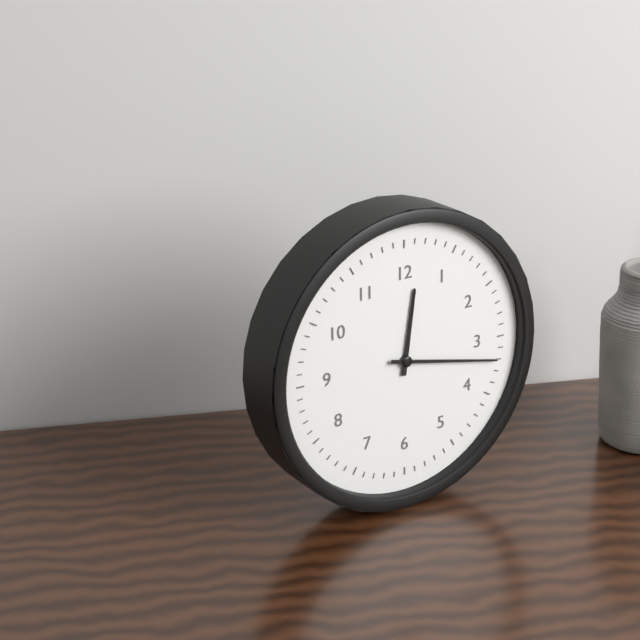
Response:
h=12 m=17
